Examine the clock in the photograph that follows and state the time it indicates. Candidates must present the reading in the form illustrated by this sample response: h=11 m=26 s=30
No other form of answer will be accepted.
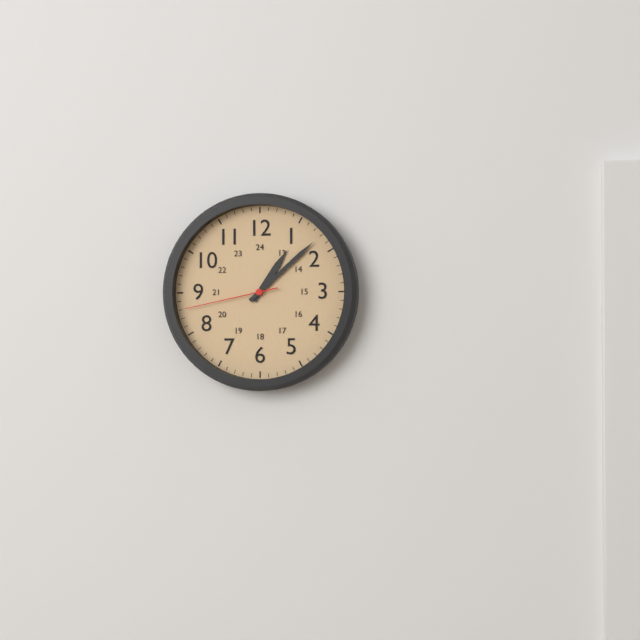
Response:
h=1 m=8 s=43
